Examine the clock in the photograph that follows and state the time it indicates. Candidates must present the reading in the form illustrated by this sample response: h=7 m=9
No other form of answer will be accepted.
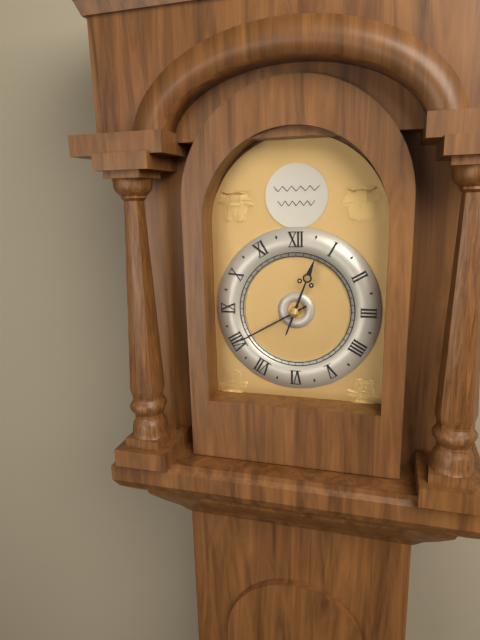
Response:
h=12 m=40
